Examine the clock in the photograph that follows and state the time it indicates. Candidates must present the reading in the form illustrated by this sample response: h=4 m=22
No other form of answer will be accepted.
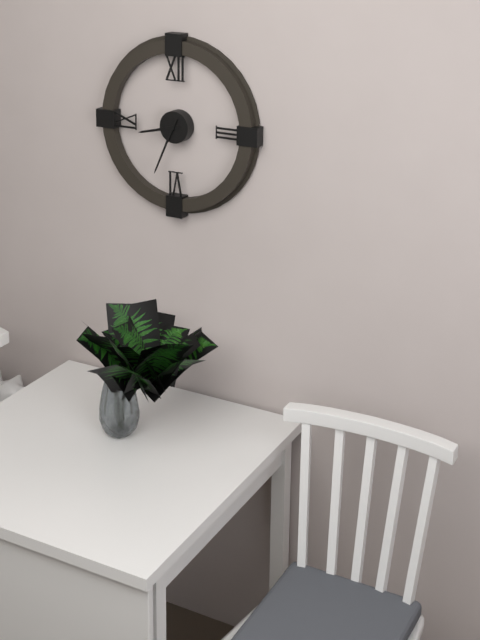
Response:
h=8 m=34
